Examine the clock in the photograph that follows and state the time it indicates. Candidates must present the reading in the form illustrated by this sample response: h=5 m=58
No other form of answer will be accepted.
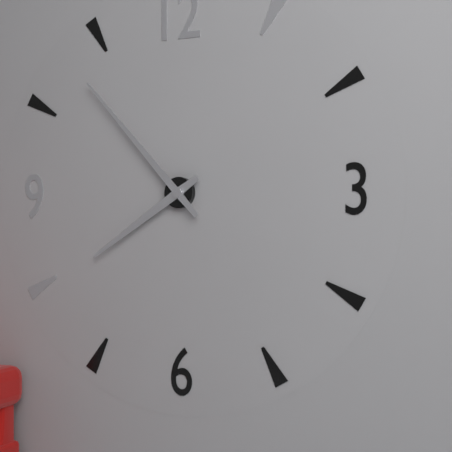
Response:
h=7 m=53
